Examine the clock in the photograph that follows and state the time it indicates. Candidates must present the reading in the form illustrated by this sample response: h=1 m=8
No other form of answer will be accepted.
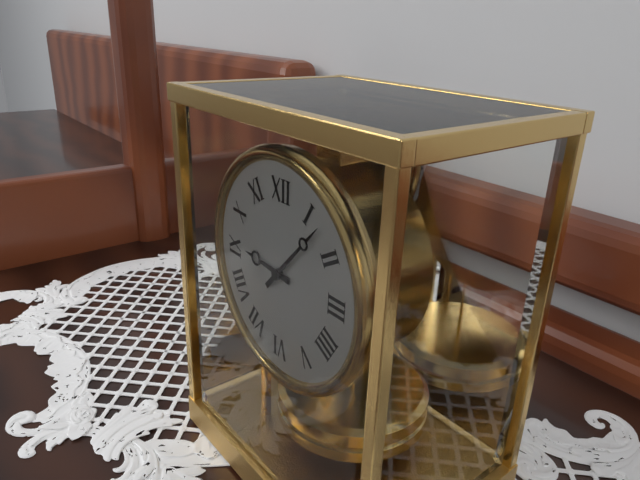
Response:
h=9 m=7
